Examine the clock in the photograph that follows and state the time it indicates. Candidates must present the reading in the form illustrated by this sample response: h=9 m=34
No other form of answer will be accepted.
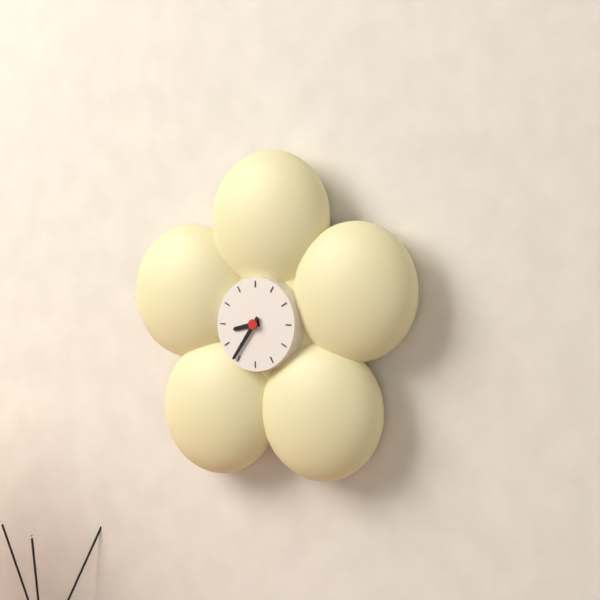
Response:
h=8 m=36
